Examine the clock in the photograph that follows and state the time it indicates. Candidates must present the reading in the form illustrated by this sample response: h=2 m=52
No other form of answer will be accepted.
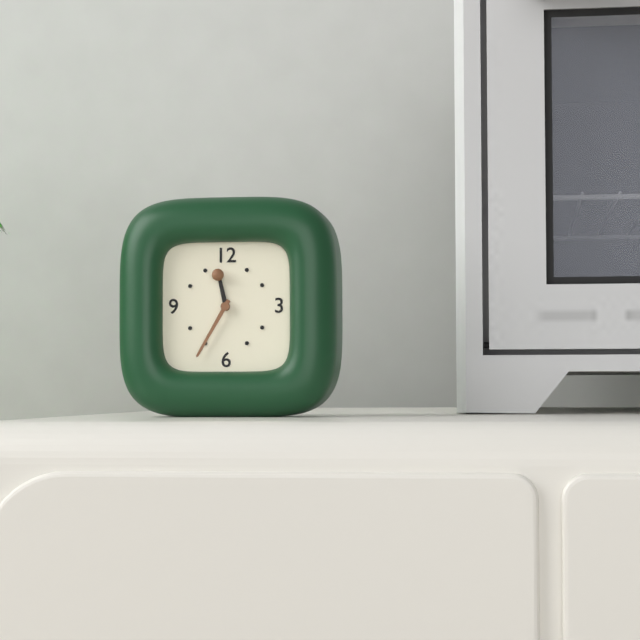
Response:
h=11 m=35
